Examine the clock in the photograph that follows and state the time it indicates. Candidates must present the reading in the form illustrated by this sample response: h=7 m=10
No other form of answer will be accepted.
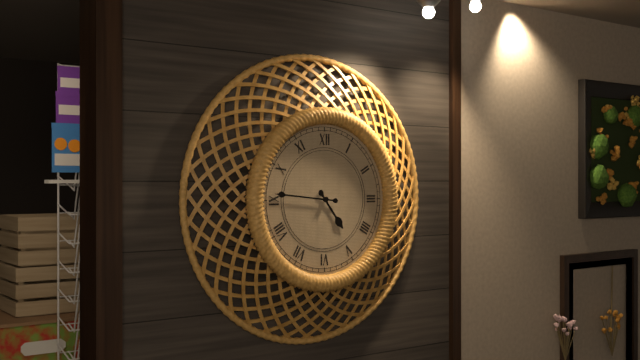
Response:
h=4 m=46
